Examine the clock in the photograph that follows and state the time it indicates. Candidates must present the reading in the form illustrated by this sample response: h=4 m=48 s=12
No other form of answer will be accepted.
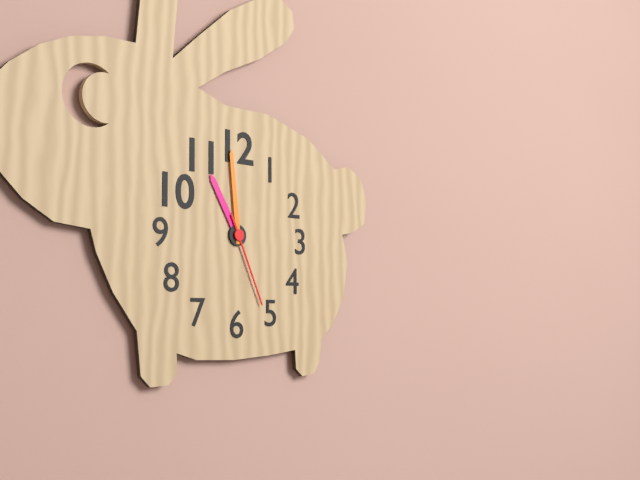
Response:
h=10 m=59 s=26
